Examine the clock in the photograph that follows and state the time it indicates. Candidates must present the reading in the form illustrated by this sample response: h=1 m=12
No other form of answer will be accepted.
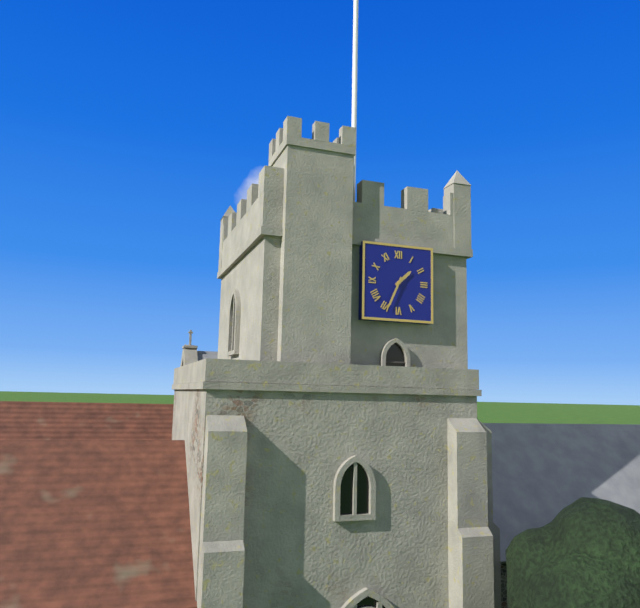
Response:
h=1 m=34
